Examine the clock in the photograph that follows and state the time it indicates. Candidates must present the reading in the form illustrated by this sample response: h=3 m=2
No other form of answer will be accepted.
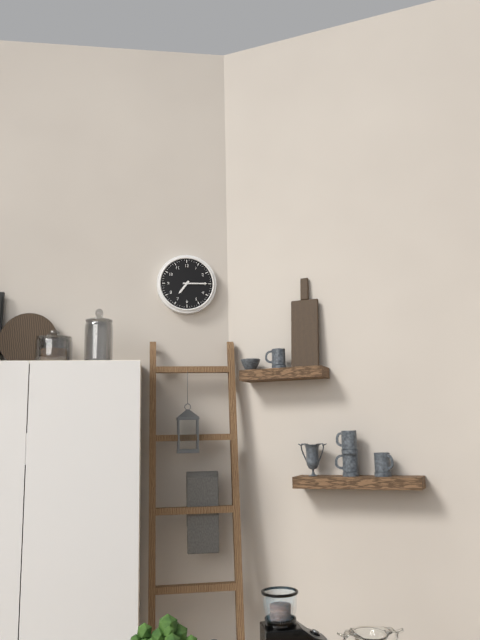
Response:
h=7 m=15
